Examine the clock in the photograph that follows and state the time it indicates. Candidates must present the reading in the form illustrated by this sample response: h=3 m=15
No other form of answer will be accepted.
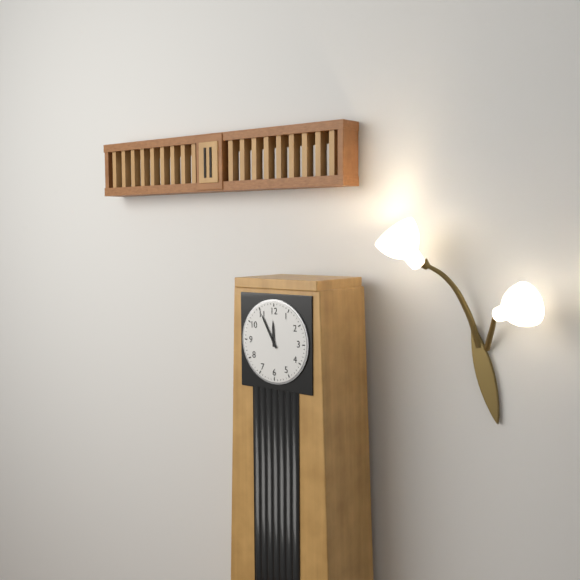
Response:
h=11 m=55
